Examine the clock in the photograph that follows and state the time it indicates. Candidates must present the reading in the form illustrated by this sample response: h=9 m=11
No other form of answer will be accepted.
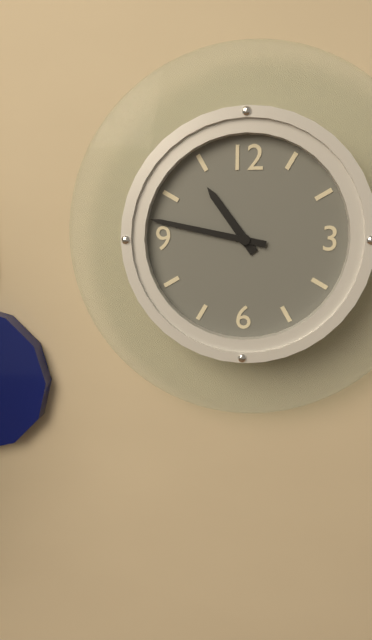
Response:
h=10 m=47
